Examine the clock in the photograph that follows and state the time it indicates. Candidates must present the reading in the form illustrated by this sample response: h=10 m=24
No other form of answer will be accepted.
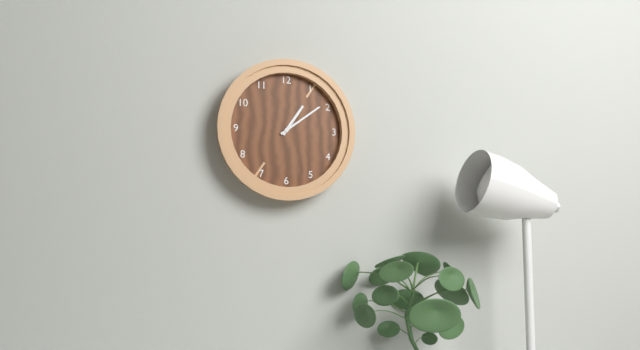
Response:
h=1 m=9
